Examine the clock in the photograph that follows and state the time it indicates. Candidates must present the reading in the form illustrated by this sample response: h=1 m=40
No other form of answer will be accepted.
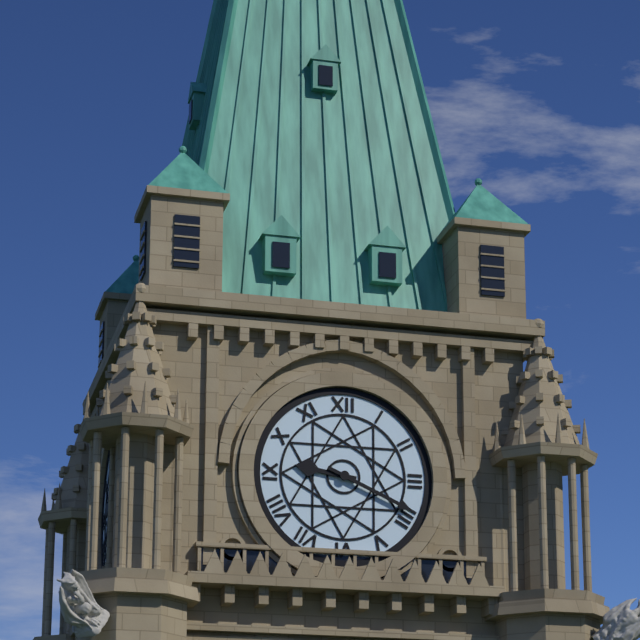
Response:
h=9 m=19
